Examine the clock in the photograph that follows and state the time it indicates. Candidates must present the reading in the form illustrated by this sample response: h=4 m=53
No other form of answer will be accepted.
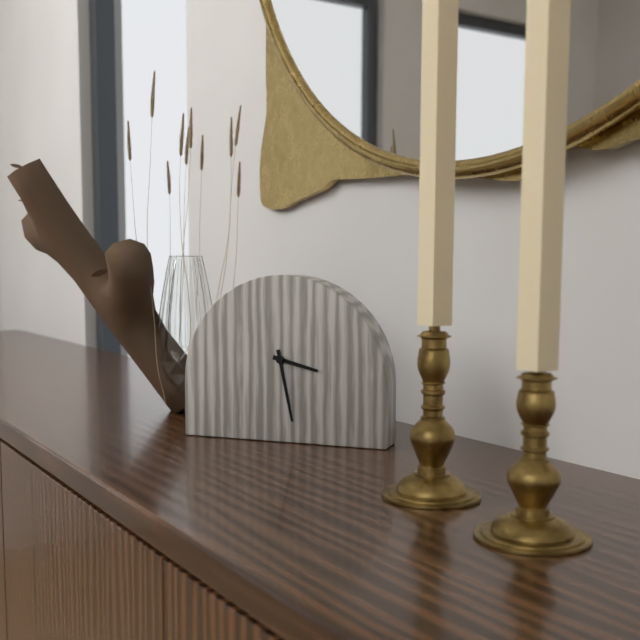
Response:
h=3 m=28
